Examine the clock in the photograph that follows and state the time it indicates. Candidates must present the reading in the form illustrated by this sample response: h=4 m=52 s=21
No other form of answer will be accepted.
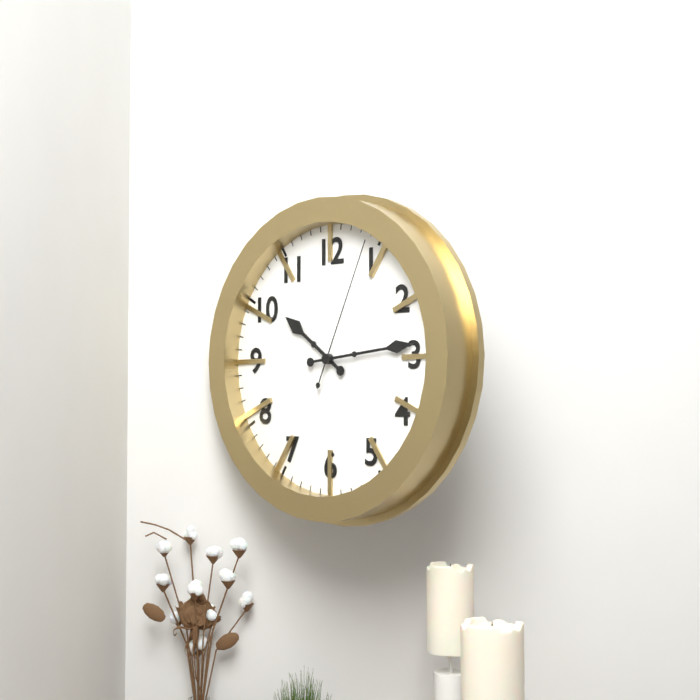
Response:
h=10 m=14 s=4
